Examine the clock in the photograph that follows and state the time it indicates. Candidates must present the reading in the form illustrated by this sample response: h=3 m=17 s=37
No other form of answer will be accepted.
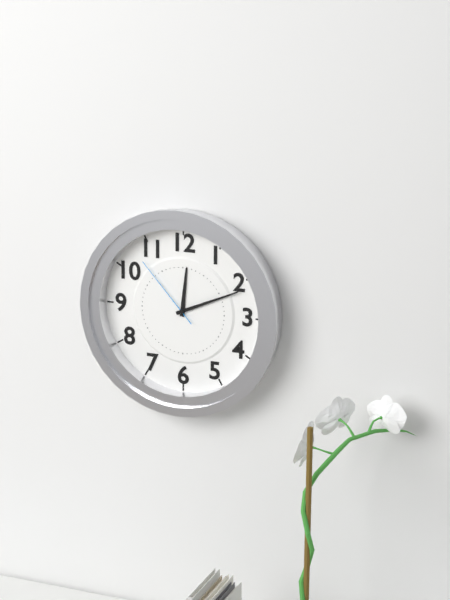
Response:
h=12 m=11 s=53
